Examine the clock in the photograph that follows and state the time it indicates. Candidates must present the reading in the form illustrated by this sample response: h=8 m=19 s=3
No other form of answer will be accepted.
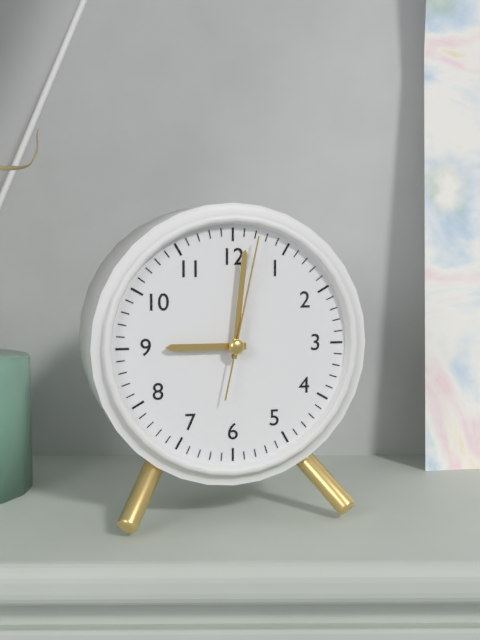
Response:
h=9 m=1 s=2
